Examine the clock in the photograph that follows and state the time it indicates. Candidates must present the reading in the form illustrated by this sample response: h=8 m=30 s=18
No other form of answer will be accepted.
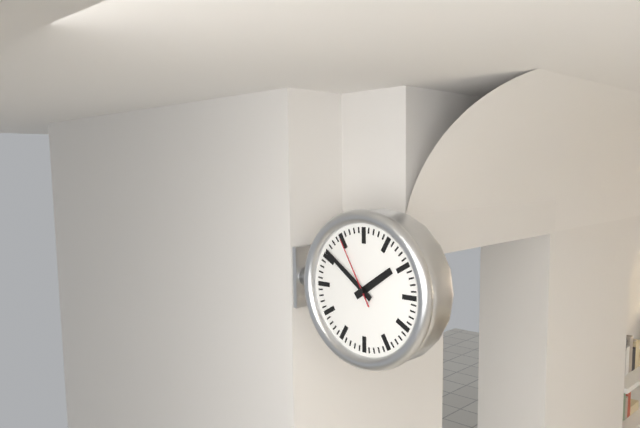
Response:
h=1 m=51 s=55
